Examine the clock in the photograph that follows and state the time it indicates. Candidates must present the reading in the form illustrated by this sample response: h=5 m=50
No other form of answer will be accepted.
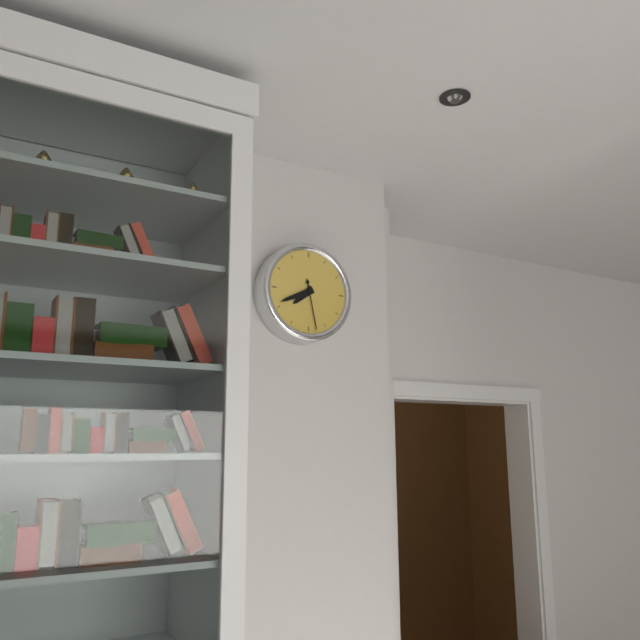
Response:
h=7 m=41
